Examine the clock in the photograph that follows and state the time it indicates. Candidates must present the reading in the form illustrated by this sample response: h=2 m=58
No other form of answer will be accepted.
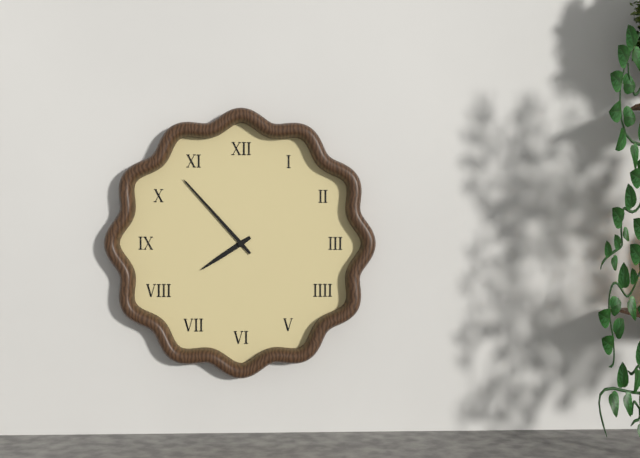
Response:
h=7 m=53
